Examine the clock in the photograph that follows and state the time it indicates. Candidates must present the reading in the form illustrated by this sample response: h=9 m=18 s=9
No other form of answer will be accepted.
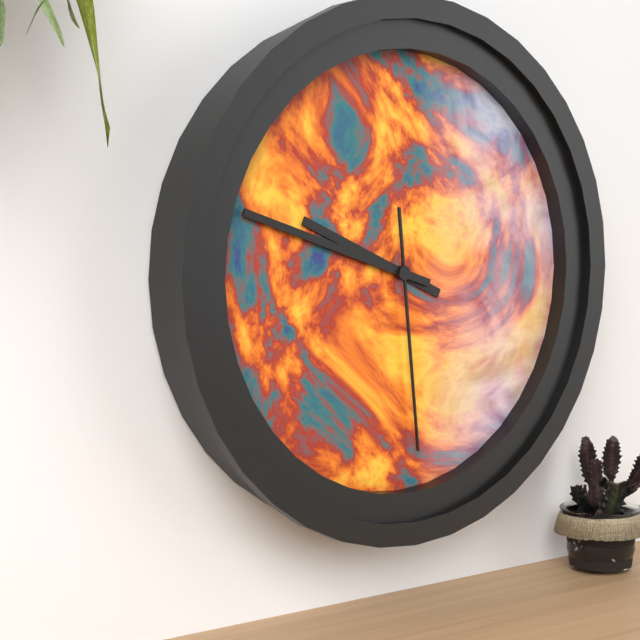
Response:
h=9 m=48 s=29
